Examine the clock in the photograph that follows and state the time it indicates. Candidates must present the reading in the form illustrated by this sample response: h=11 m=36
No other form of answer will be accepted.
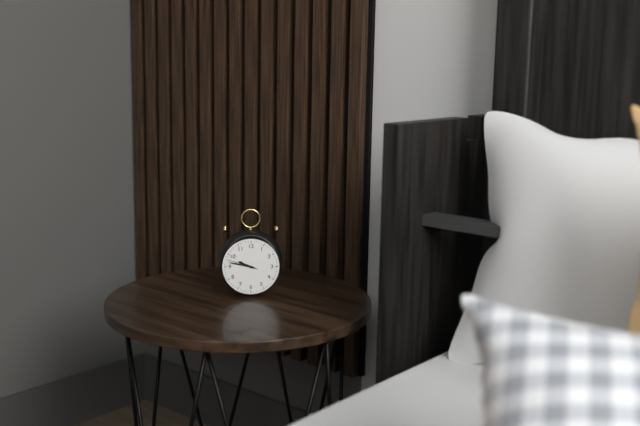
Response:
h=9 m=47
